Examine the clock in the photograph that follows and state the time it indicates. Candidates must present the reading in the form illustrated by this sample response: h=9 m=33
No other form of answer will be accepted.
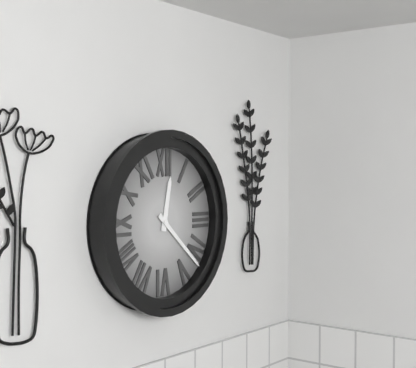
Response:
h=12 m=22
